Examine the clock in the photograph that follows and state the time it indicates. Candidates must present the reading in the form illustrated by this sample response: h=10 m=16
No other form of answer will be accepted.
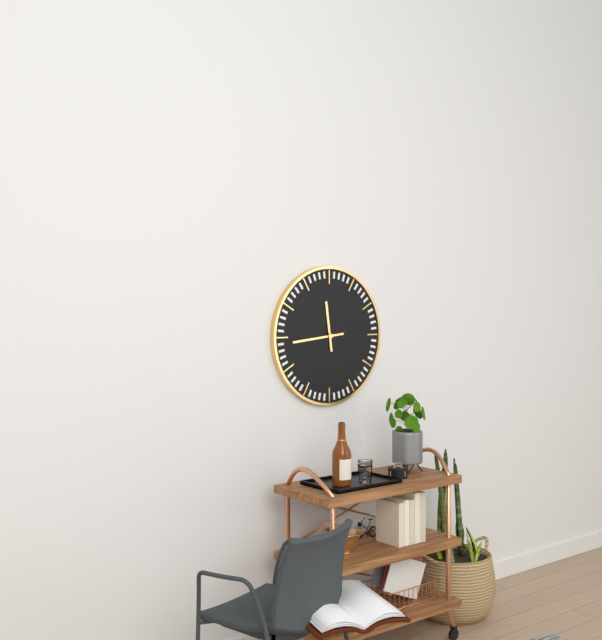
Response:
h=11 m=44
